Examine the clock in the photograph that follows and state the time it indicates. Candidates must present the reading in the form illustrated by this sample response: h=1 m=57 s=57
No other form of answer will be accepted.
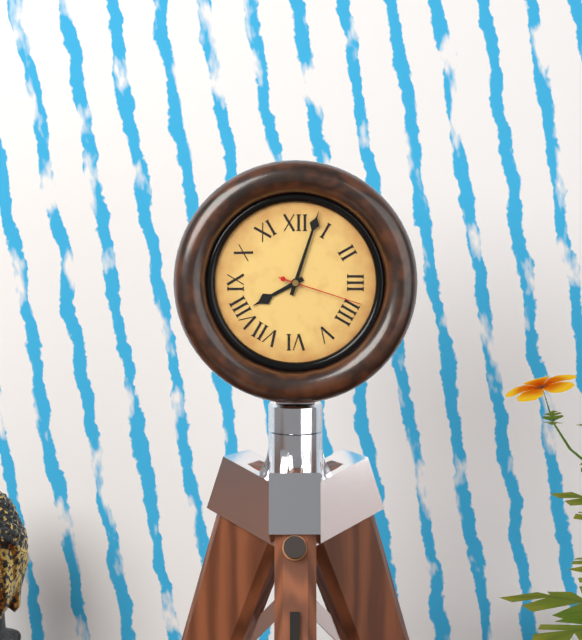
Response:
h=8 m=3 s=18
